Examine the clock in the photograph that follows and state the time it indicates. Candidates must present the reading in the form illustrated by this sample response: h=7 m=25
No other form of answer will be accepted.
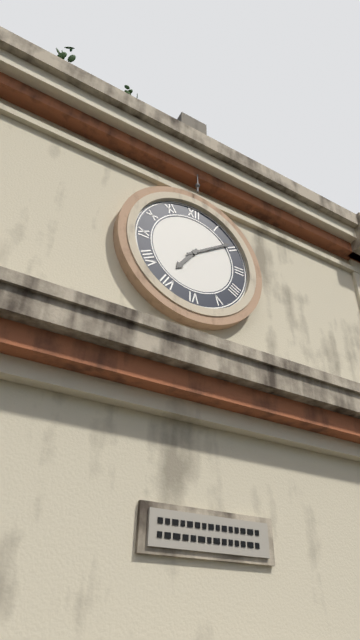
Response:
h=7 m=9
